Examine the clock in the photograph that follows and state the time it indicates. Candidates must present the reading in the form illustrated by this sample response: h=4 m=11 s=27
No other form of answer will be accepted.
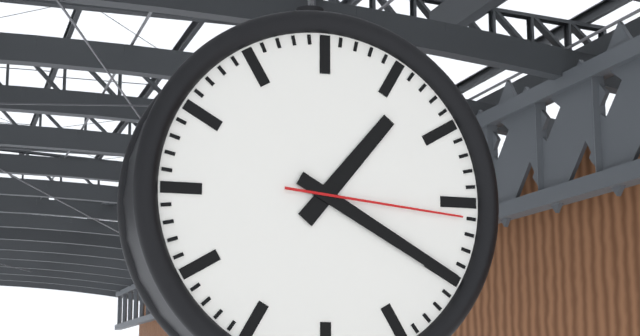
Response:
h=1 m=20 s=16
